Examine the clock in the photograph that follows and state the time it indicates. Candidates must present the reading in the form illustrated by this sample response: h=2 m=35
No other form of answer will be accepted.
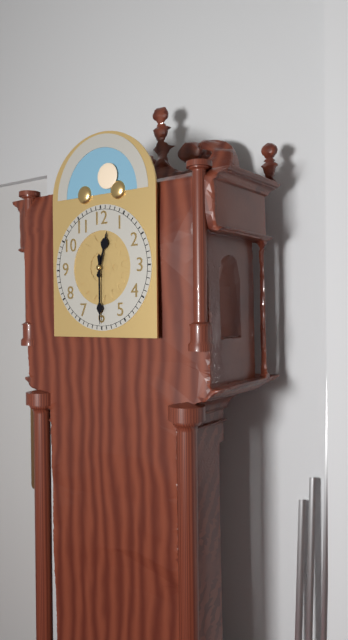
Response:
h=12 m=30
